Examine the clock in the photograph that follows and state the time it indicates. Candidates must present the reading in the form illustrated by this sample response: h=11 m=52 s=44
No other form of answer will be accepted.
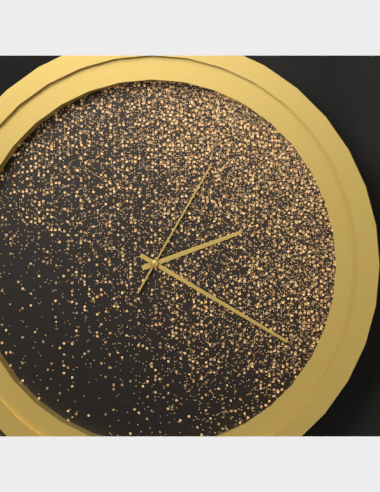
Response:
h=2 m=20 s=5
